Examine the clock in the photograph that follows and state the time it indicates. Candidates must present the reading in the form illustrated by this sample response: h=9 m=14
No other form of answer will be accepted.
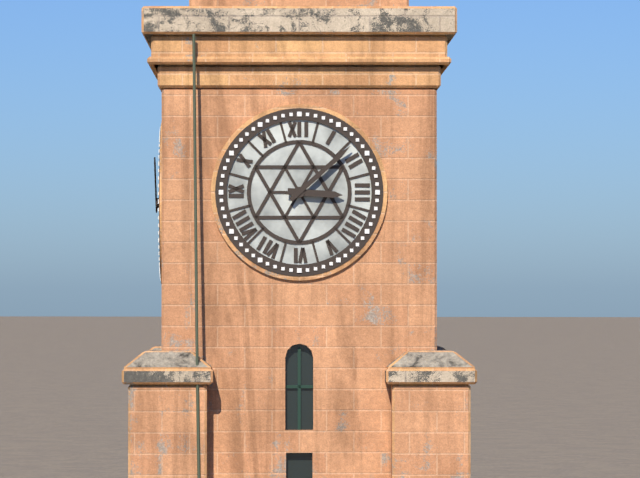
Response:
h=3 m=8
